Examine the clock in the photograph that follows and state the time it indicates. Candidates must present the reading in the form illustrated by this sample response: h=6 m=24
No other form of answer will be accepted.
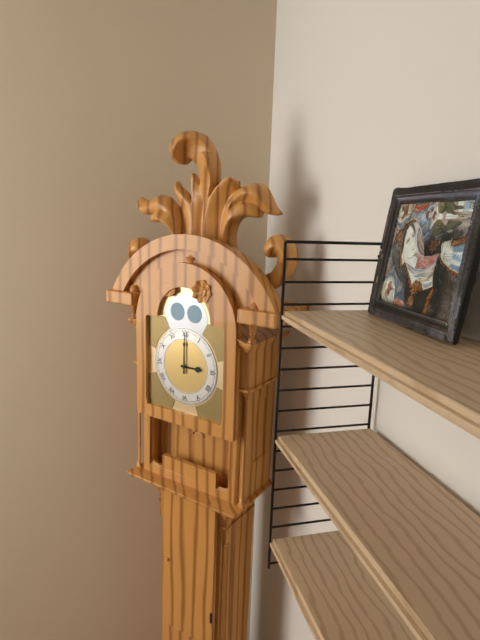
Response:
h=3 m=0
